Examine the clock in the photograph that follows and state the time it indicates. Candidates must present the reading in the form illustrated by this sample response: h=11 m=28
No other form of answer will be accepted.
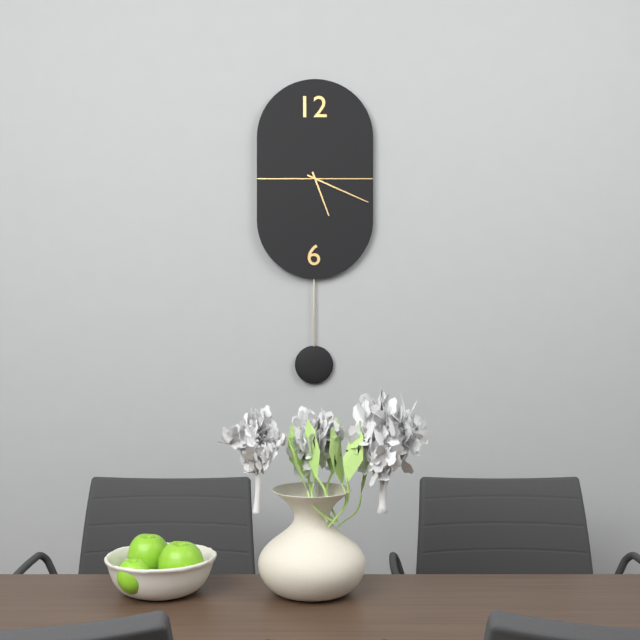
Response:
h=5 m=19
